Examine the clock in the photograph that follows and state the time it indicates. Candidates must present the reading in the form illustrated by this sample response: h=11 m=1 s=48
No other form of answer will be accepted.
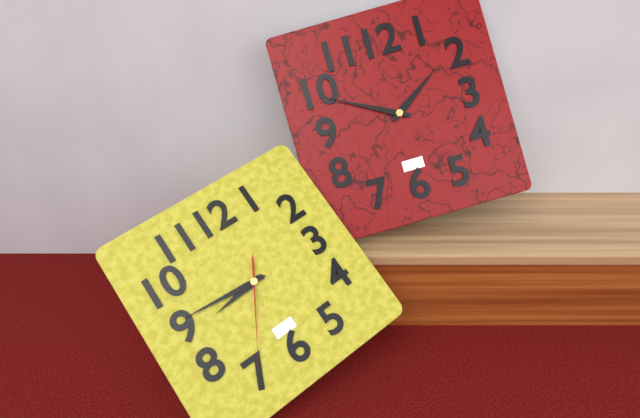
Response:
h=8 m=46 s=35
